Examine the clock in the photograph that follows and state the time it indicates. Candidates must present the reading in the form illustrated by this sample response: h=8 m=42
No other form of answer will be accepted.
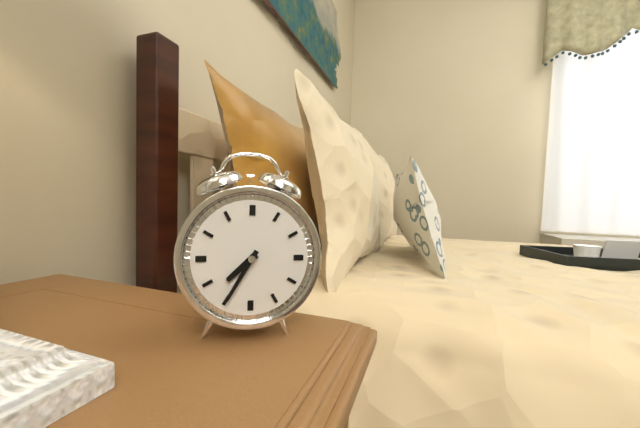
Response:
h=7 m=35
